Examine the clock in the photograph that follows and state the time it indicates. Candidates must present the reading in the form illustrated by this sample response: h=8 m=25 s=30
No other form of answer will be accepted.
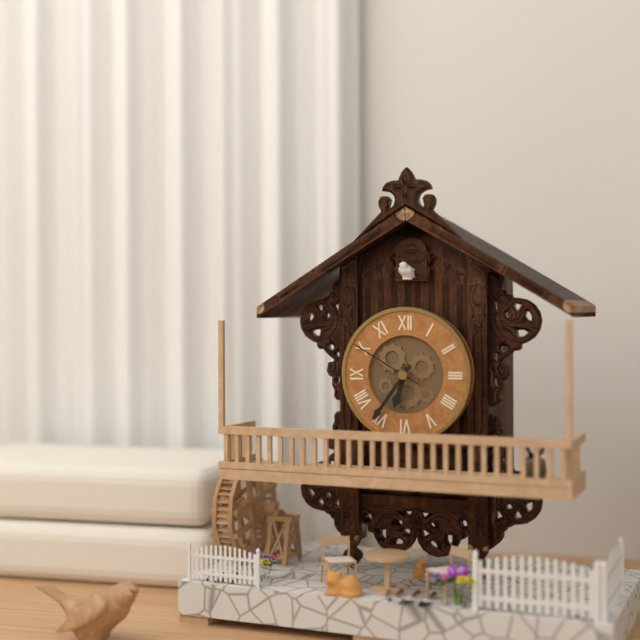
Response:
h=6 m=36 s=50
